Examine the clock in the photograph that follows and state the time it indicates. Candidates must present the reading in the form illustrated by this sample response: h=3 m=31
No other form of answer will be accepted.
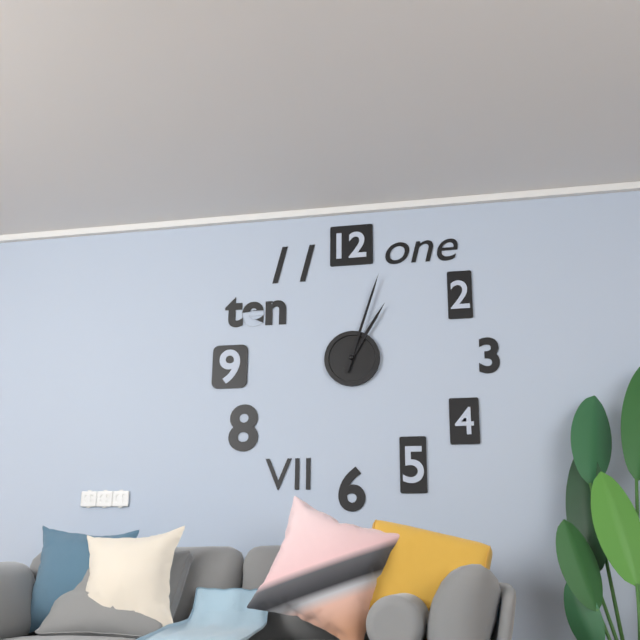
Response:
h=1 m=3
